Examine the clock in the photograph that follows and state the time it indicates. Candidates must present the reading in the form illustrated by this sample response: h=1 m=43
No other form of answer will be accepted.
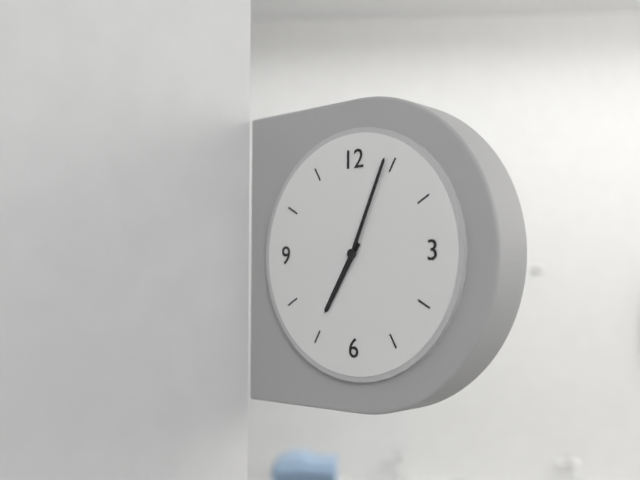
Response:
h=7 m=4
